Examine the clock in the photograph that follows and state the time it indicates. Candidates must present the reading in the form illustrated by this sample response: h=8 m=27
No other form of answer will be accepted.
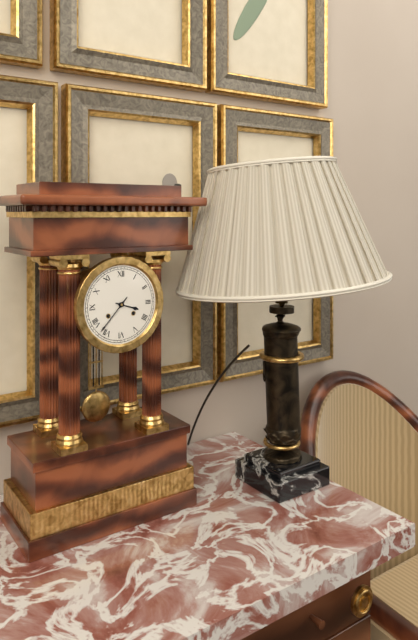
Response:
h=3 m=37
